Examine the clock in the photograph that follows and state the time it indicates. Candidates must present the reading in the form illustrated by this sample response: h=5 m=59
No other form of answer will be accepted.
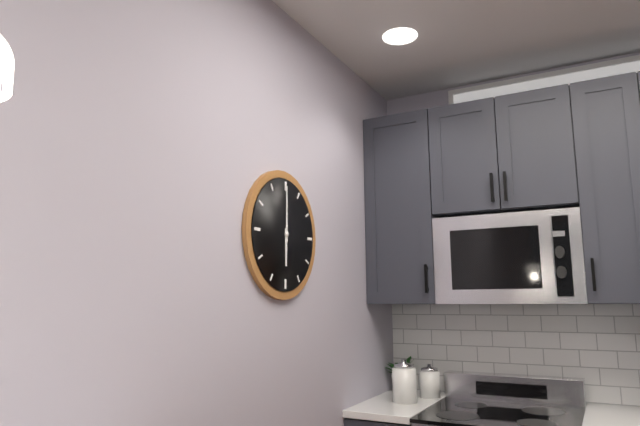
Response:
h=6 m=0
